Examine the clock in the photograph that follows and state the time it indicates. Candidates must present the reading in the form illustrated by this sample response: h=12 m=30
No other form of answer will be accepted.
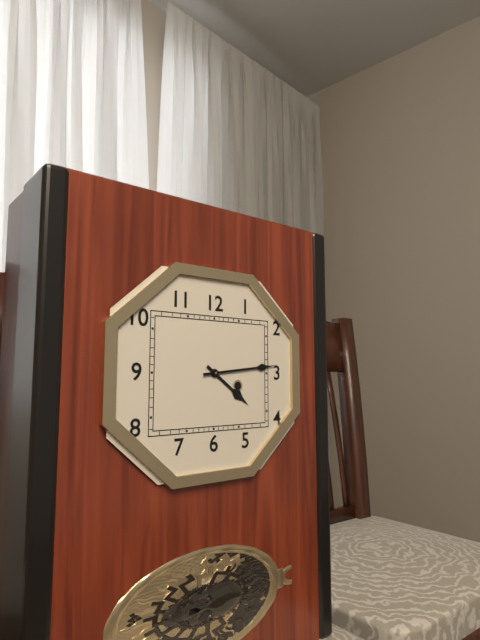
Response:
h=4 m=14
